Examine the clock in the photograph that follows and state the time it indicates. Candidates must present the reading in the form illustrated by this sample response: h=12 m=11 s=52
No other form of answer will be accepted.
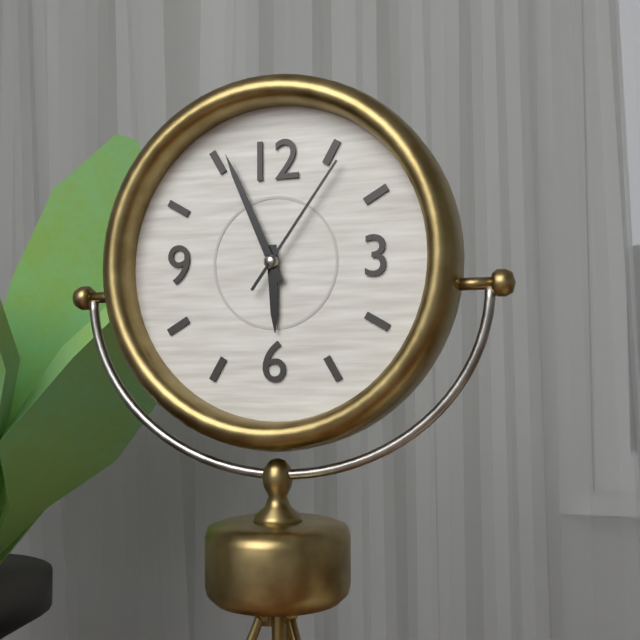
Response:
h=5 m=56 s=6
